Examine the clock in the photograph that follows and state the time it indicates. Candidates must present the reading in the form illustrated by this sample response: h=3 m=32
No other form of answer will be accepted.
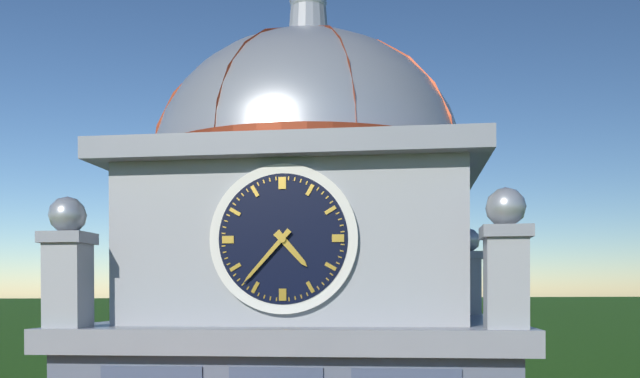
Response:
h=4 m=37
